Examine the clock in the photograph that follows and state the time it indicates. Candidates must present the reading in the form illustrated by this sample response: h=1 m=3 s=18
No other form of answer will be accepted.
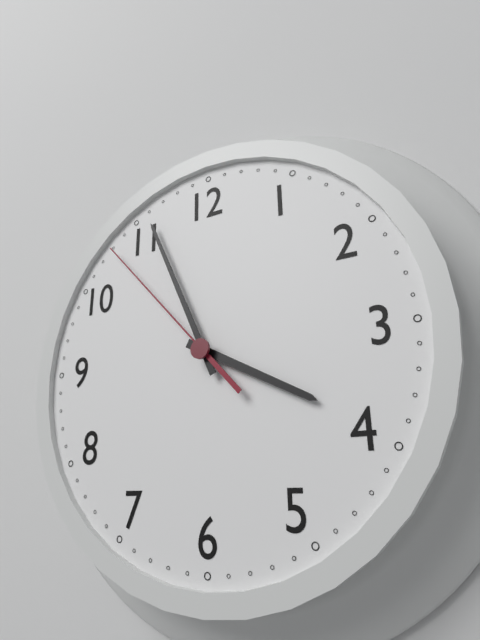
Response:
h=3 m=56 s=53
